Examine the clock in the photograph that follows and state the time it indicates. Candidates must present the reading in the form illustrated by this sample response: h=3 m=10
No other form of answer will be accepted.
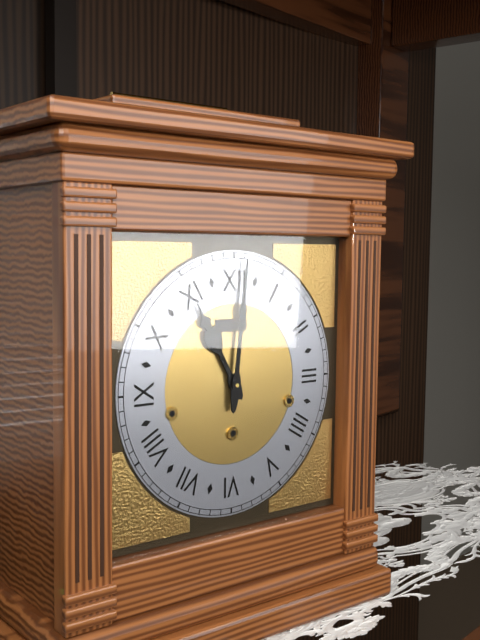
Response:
h=11 m=1
